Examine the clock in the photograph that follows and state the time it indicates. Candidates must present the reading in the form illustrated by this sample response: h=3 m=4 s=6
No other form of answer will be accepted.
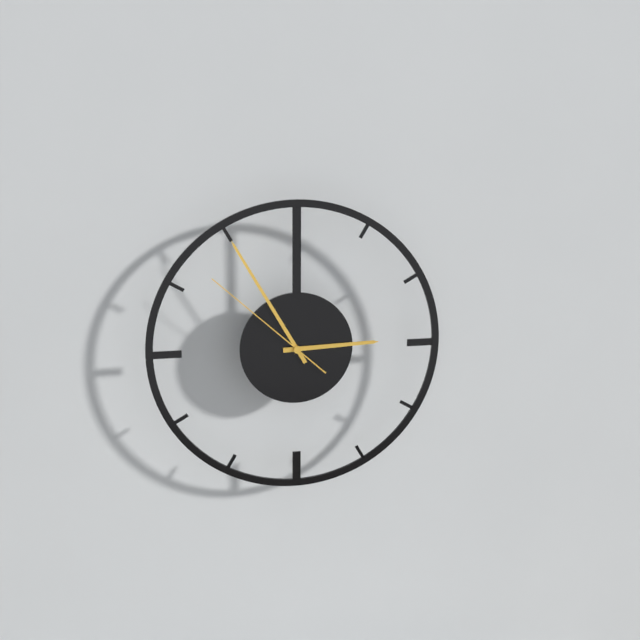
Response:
h=2 m=55 s=52
